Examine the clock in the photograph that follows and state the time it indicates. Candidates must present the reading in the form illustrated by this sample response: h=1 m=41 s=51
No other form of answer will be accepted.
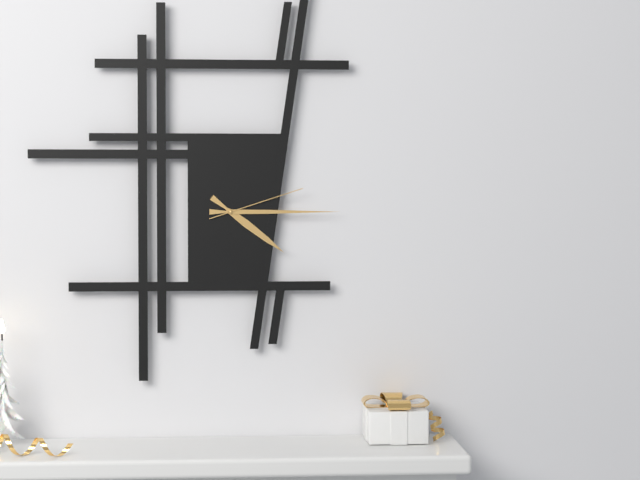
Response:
h=4 m=15 s=12
